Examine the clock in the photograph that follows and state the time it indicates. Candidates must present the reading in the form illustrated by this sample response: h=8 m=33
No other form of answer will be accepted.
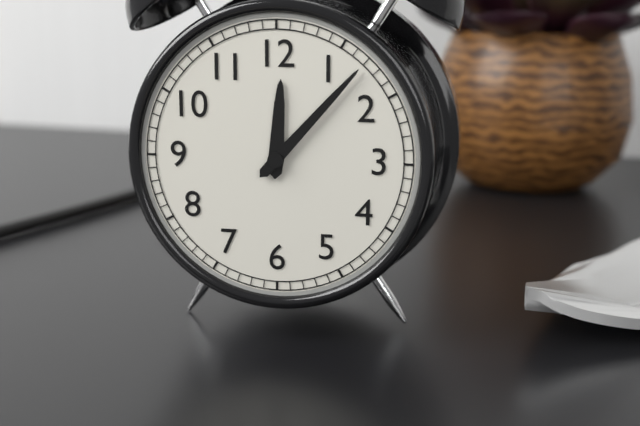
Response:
h=12 m=7
